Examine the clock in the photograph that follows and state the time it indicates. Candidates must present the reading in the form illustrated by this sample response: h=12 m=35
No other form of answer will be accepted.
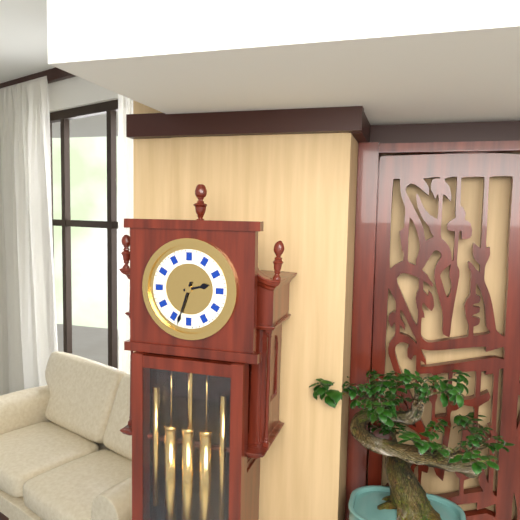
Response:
h=2 m=33
